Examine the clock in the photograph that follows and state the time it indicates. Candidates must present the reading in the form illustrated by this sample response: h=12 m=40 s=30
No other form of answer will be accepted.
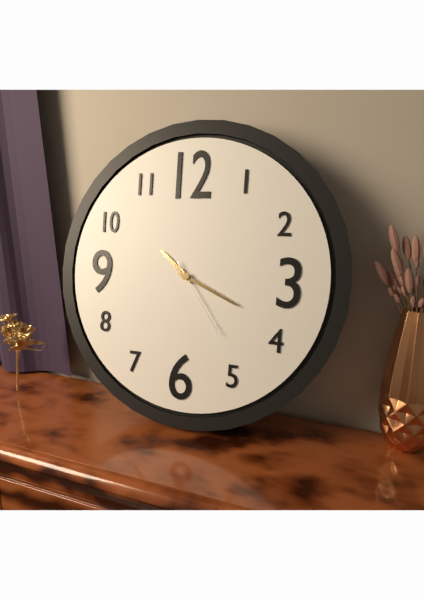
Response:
h=10 m=19 s=24
